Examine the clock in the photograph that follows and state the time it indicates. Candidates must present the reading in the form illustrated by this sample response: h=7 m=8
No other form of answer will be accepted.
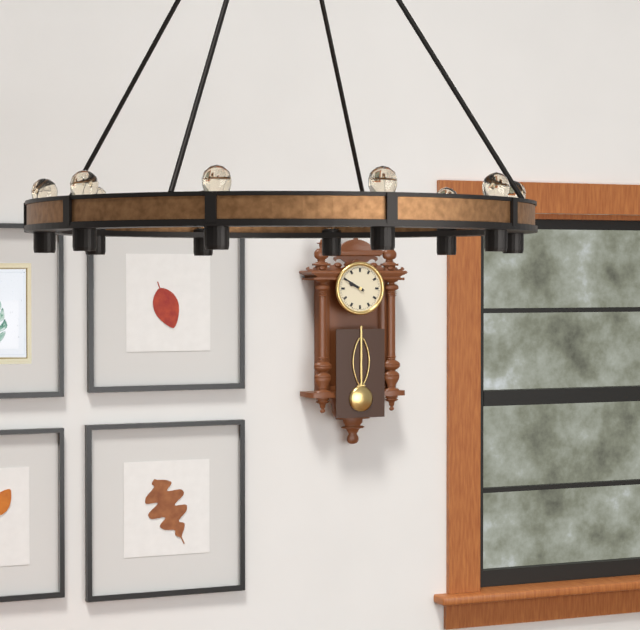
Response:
h=9 m=50
